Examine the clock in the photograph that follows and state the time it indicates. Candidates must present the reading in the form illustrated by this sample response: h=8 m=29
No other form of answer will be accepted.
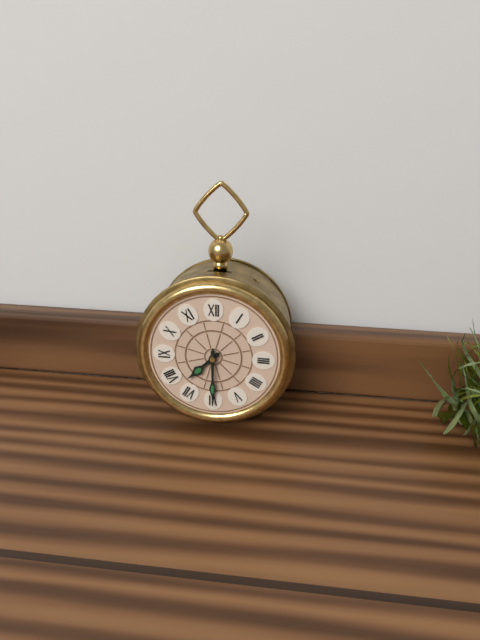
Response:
h=7 m=30
